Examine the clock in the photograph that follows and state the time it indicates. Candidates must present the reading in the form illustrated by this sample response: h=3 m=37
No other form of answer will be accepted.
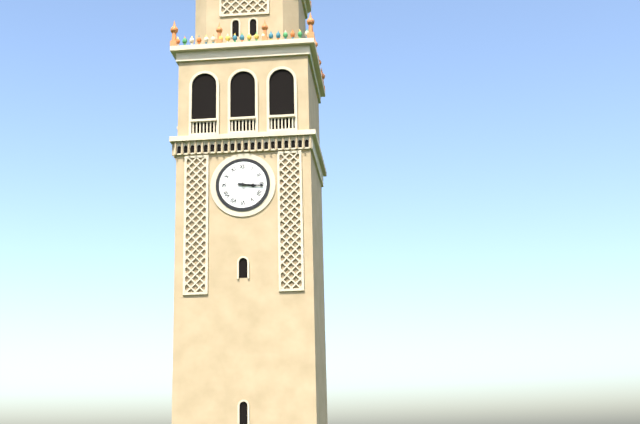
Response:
h=3 m=16
